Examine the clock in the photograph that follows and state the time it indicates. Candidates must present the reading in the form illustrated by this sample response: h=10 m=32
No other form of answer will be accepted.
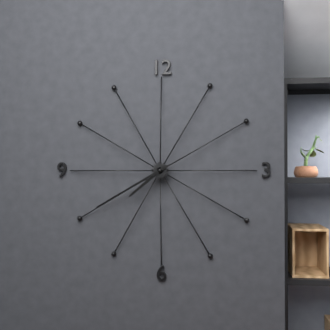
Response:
h=7 m=40
